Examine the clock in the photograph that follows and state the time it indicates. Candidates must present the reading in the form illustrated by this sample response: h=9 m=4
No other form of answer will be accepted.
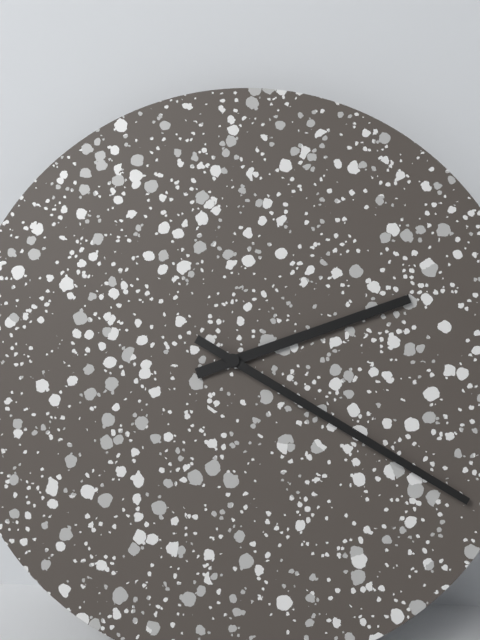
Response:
h=2 m=20
